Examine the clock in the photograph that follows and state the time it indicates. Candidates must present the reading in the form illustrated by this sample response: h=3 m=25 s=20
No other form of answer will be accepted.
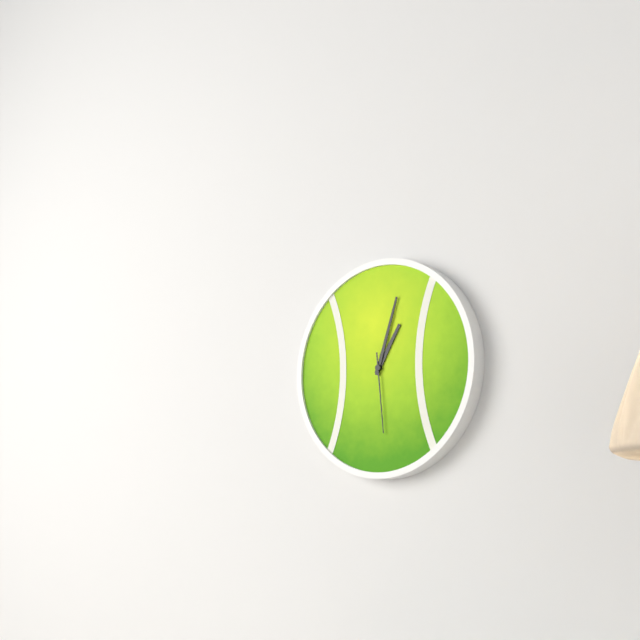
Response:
h=1 m=3 s=29
